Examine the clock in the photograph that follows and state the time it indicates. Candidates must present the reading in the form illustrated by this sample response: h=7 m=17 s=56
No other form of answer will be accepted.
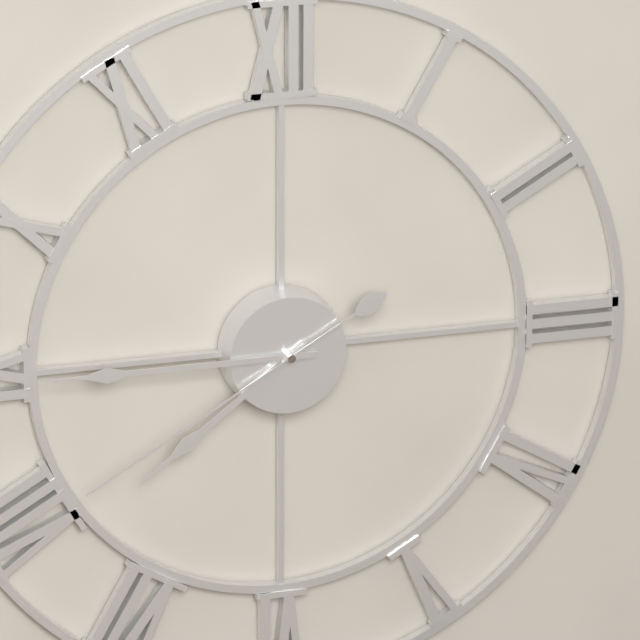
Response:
h=7 m=45 s=40
